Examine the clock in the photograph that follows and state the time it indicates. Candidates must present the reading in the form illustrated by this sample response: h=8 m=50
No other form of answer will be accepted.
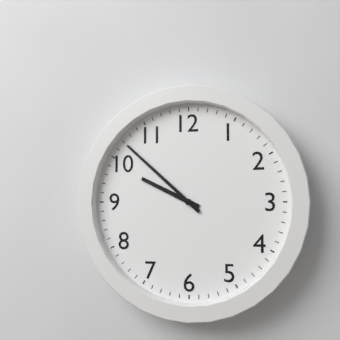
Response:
h=9 m=52
